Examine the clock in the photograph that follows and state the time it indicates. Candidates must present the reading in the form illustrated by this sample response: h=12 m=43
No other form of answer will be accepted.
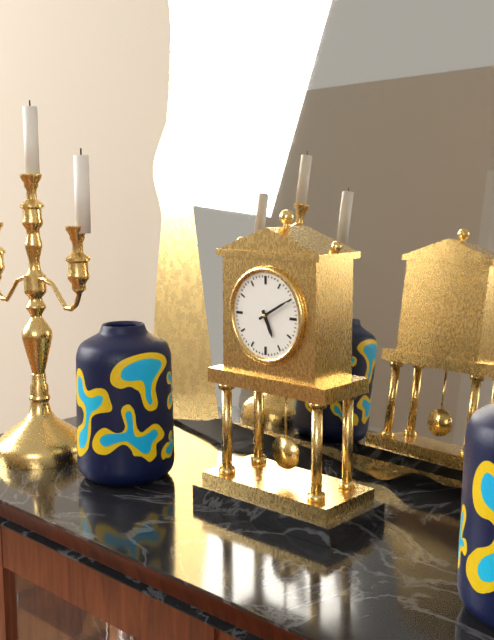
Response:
h=5 m=10
